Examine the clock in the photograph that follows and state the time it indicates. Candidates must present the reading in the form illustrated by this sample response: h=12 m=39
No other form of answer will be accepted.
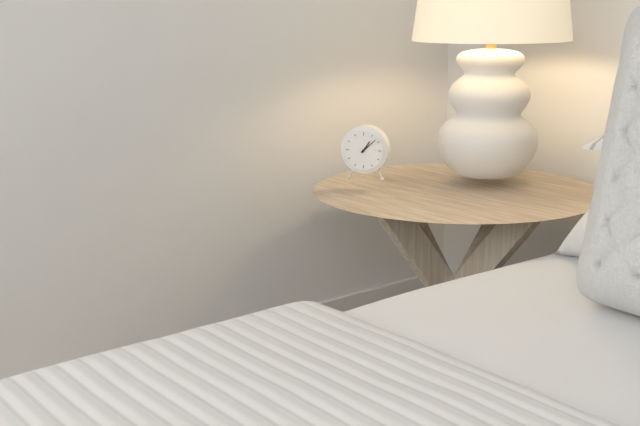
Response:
h=1 m=8
